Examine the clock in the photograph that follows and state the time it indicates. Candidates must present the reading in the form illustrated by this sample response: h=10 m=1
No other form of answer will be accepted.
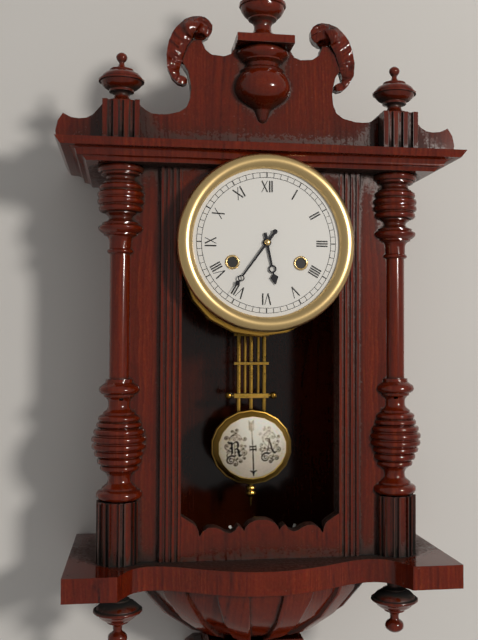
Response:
h=5 m=36
